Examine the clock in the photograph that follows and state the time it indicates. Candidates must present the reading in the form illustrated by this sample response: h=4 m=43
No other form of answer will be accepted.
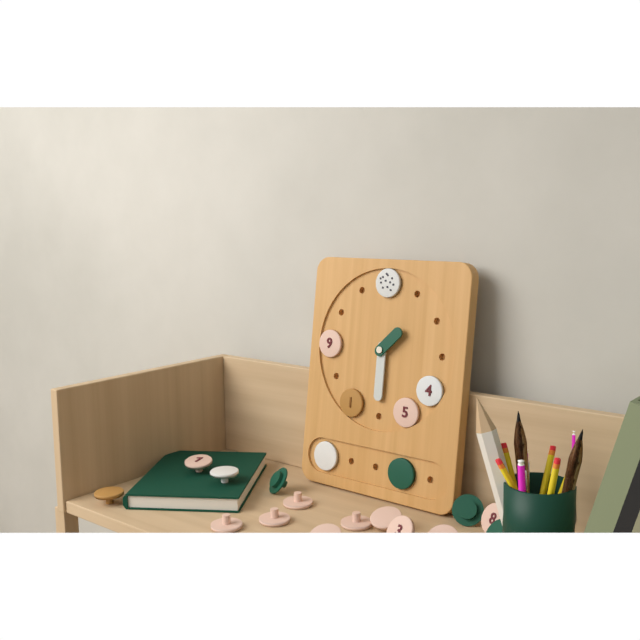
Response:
h=1 m=30
